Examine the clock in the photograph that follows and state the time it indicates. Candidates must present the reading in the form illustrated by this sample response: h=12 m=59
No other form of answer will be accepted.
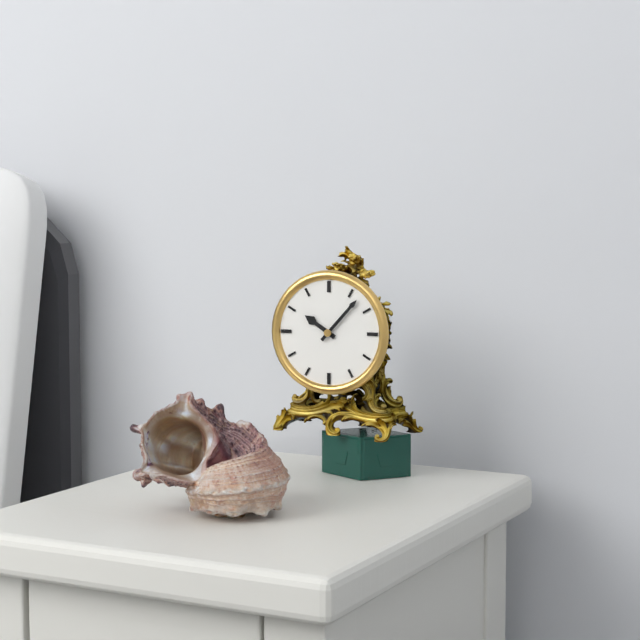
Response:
h=10 m=7
